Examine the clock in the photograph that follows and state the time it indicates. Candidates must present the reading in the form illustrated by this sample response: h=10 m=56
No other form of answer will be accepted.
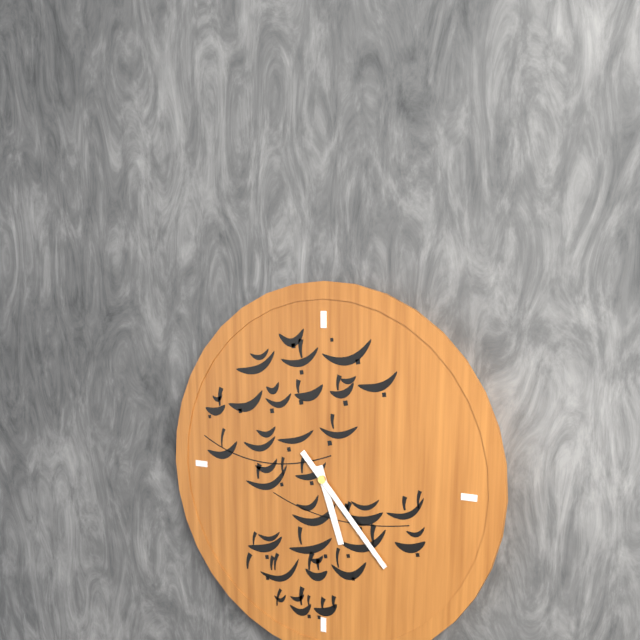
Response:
h=5 m=23
